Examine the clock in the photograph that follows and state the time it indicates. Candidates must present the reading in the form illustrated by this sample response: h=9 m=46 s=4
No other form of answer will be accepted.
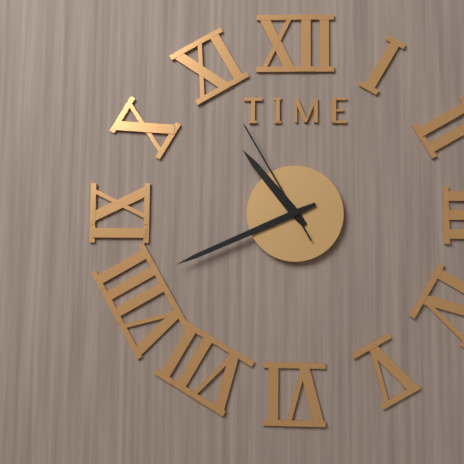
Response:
h=10 m=41 s=55
